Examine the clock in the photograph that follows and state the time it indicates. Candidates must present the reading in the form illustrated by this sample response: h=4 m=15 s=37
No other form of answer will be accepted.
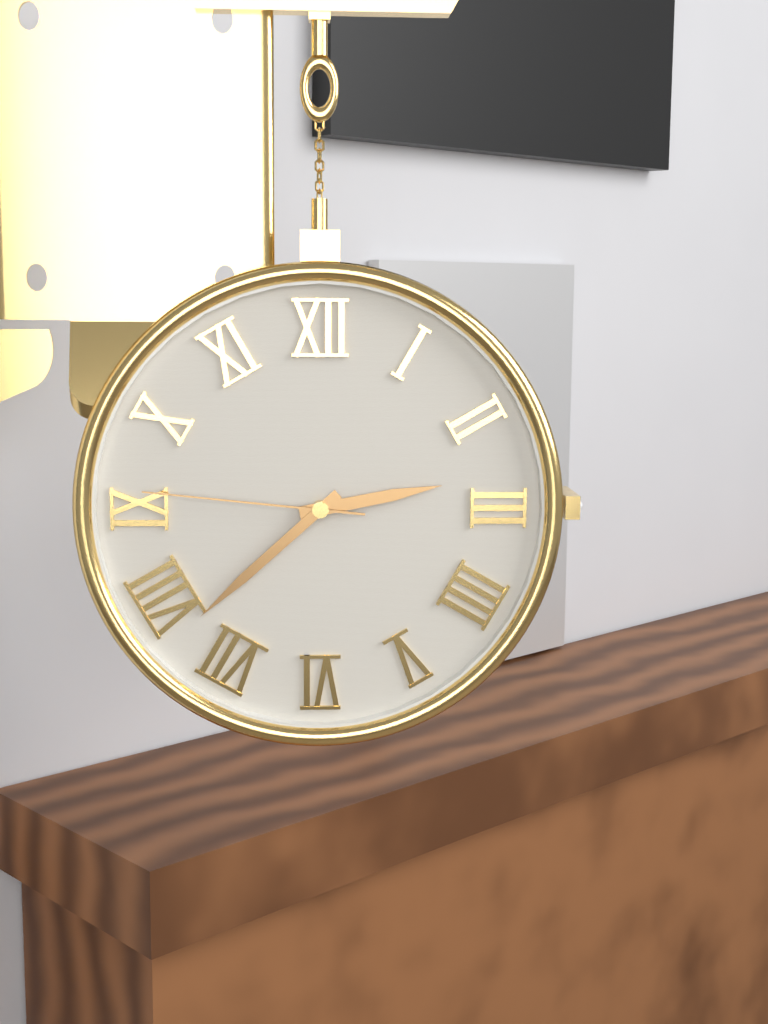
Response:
h=2 m=38 s=46
